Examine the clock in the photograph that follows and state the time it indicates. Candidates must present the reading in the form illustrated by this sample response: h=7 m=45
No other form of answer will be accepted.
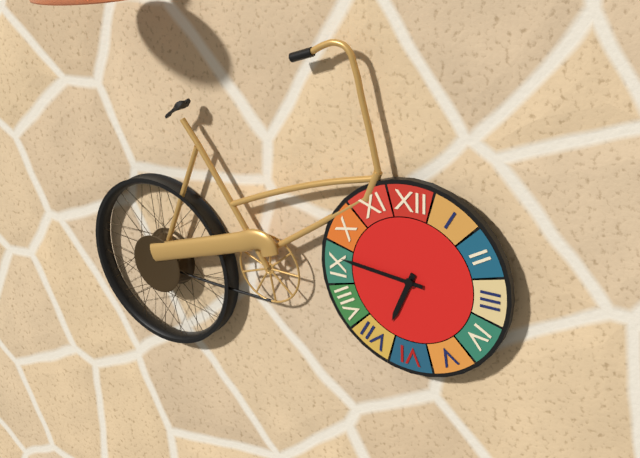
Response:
h=6 m=46
